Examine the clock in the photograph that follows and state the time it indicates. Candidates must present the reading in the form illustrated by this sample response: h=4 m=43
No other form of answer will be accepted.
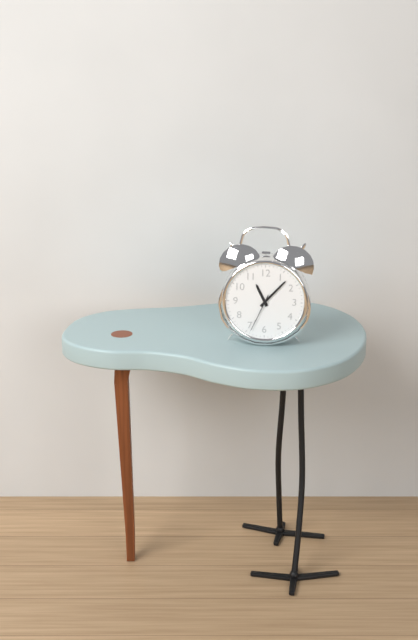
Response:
h=11 m=7
